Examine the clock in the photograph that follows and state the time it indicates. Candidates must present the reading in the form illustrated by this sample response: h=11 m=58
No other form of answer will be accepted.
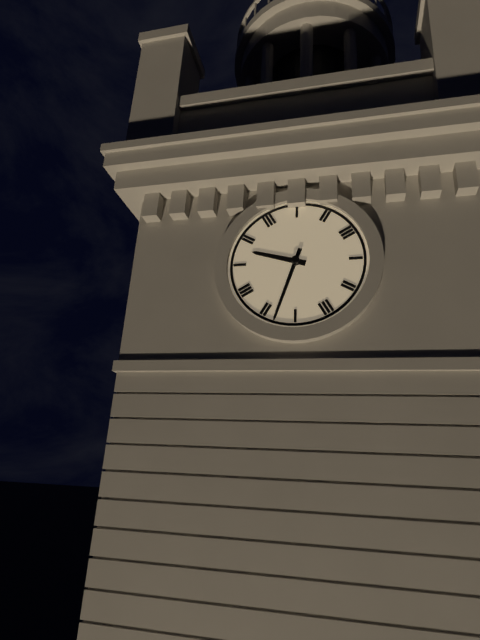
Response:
h=9 m=33
